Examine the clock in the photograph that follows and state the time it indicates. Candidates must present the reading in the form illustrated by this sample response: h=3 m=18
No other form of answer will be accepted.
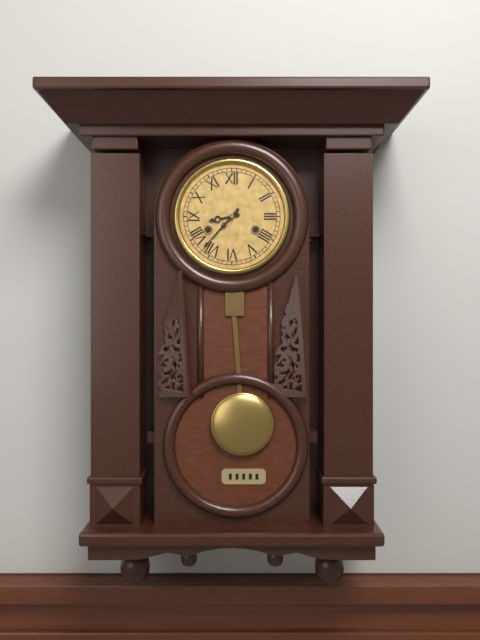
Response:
h=8 m=37
